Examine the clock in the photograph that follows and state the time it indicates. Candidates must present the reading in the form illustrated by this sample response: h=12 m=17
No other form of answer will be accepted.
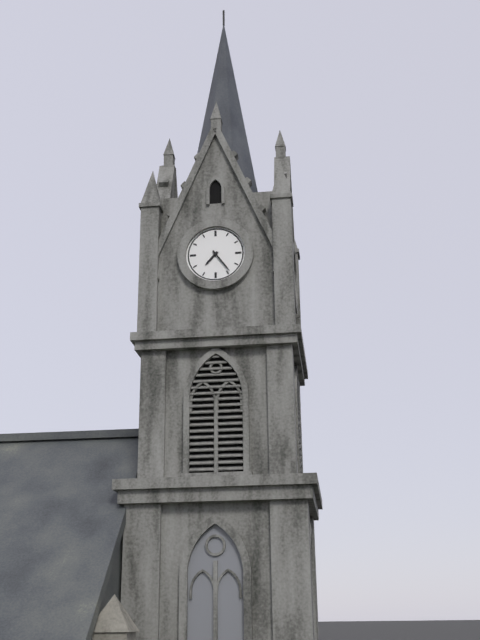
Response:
h=7 m=24
